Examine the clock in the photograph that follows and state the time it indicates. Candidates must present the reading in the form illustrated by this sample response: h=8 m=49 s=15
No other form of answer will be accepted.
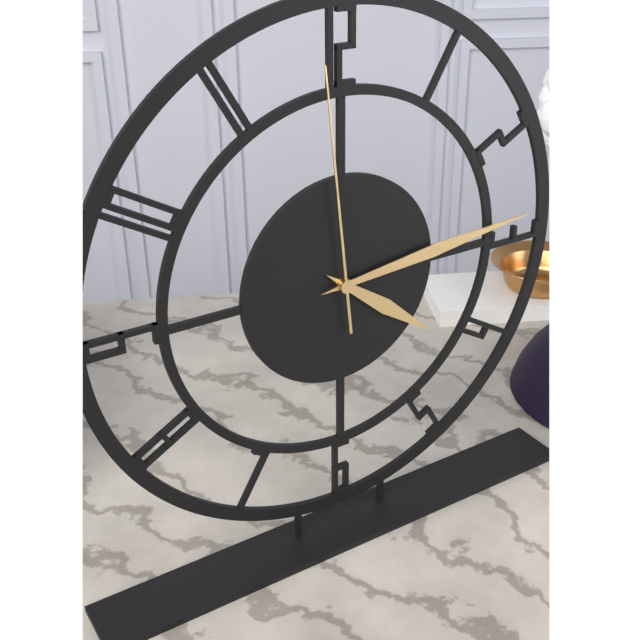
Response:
h=4 m=14 s=59
